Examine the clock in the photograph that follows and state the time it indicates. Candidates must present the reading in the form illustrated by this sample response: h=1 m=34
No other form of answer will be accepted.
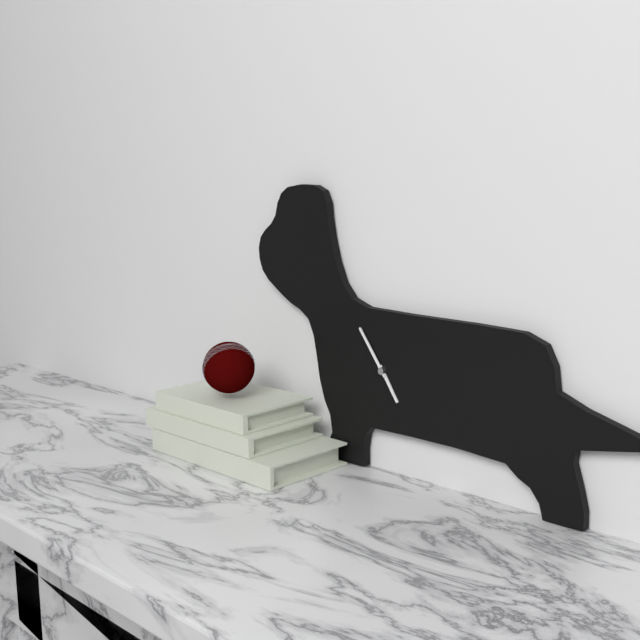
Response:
h=4 m=54
